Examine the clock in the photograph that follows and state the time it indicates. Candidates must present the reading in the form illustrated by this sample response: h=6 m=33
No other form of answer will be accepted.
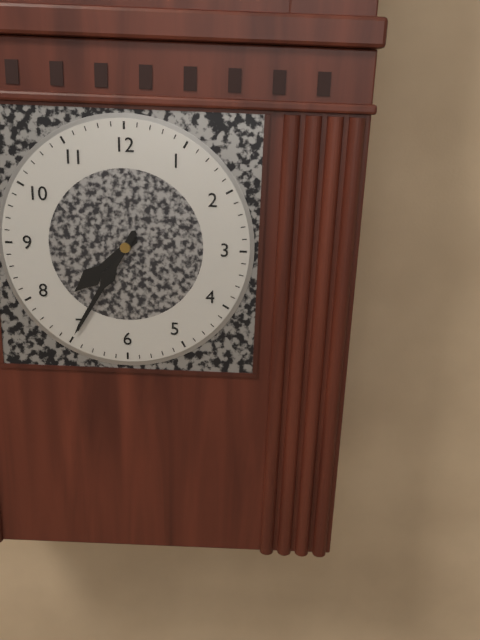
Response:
h=7 m=35
